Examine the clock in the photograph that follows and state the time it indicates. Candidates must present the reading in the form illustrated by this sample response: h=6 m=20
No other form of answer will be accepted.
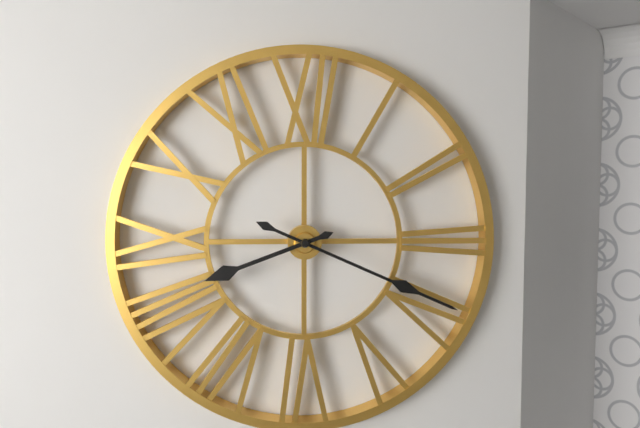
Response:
h=8 m=19
